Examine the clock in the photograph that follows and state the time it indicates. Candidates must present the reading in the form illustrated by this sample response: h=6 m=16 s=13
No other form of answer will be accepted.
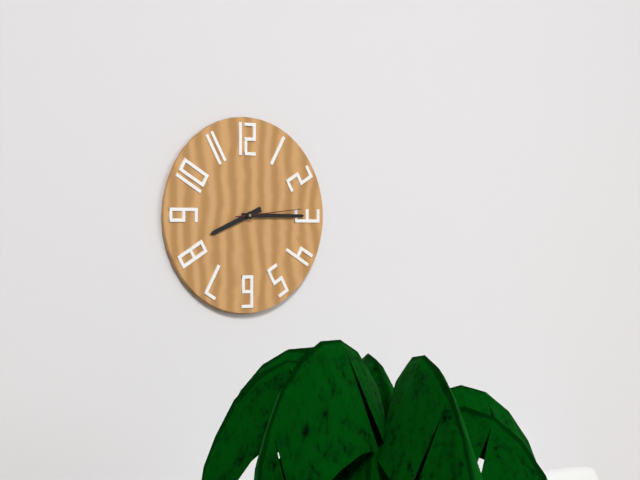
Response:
h=8 m=15 s=14
